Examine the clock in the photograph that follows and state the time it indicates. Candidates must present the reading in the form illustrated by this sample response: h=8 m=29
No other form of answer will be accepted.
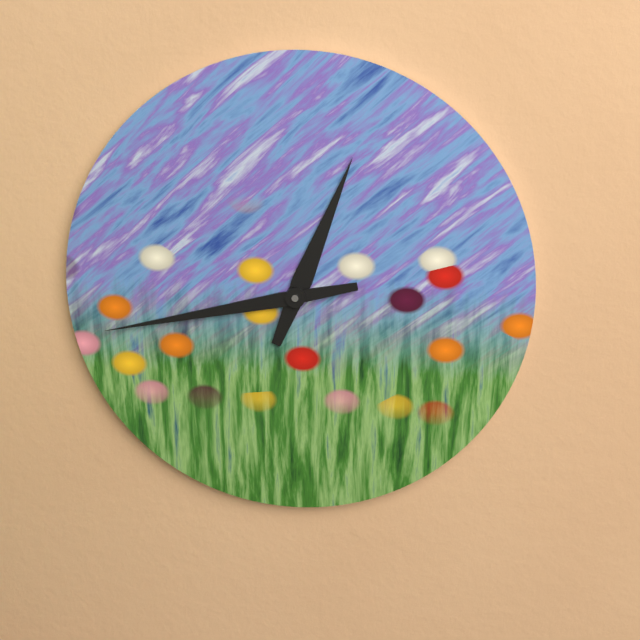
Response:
h=12 m=43
